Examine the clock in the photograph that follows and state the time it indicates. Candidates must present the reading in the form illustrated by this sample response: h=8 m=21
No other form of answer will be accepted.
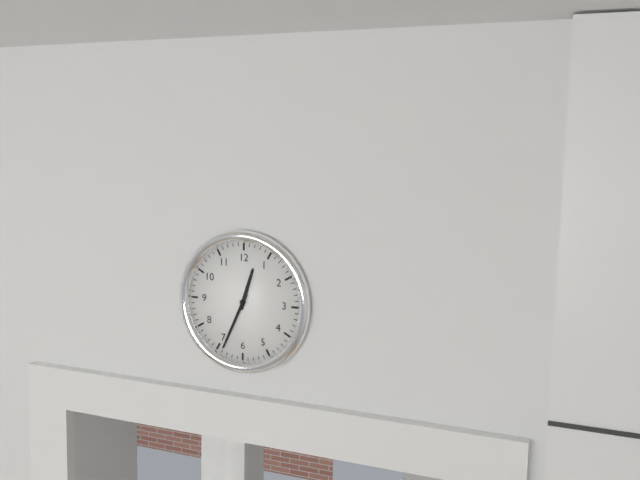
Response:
h=12 m=34
